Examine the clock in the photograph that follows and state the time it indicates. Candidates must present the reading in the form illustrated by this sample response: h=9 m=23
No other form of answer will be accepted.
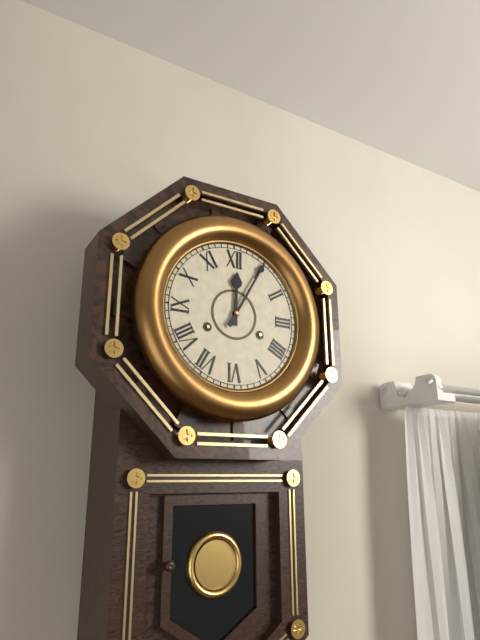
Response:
h=12 m=5
